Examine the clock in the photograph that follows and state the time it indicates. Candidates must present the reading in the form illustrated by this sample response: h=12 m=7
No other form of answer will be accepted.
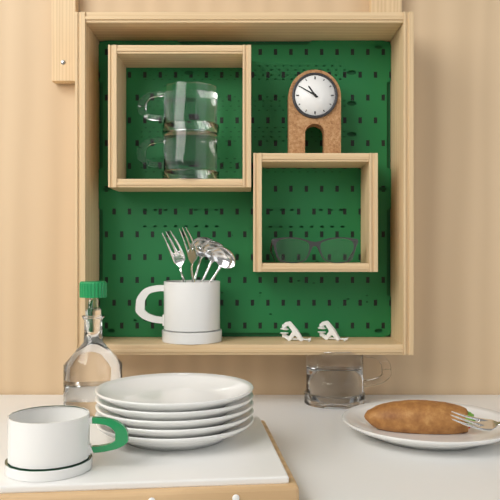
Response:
h=10 m=50
